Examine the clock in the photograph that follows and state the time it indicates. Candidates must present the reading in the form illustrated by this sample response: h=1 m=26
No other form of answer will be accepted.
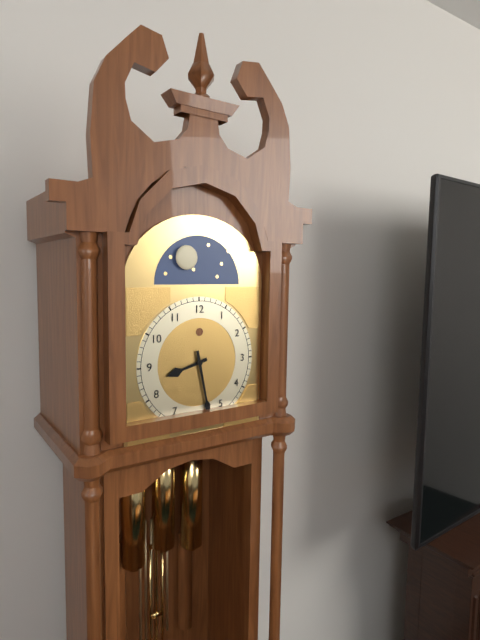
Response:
h=8 m=28
